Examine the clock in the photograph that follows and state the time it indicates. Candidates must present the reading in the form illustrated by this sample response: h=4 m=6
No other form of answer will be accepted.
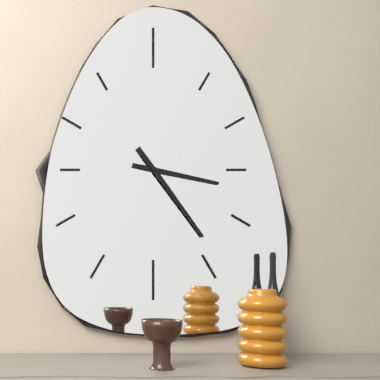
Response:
h=3 m=24
